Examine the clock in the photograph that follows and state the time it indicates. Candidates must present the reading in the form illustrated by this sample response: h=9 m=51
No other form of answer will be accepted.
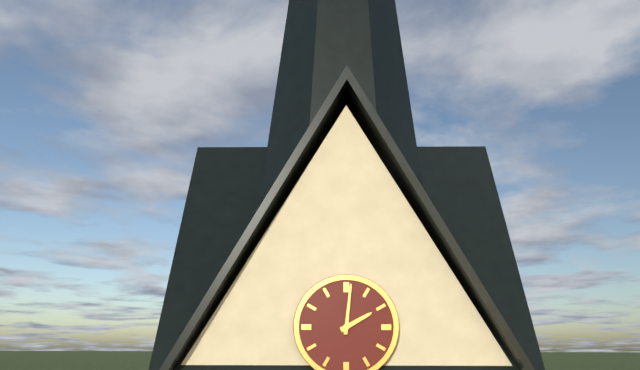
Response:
h=2 m=1
